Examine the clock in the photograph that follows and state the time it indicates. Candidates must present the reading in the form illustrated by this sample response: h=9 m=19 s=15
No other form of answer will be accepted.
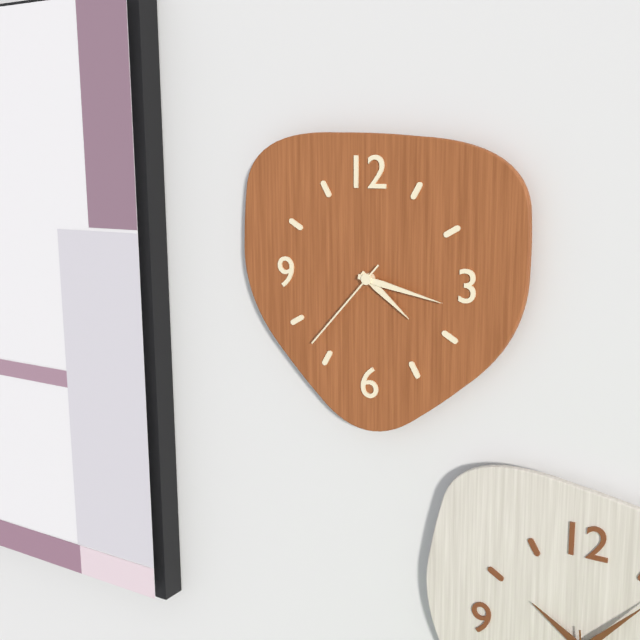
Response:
h=4 m=17 s=37
